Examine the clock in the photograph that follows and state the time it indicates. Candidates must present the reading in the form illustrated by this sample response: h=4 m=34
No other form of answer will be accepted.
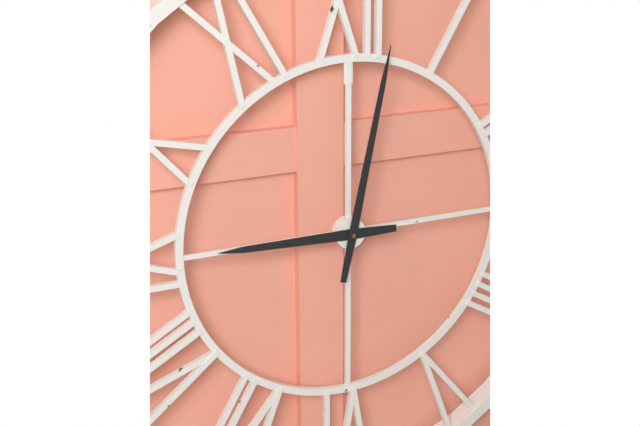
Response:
h=9 m=2
